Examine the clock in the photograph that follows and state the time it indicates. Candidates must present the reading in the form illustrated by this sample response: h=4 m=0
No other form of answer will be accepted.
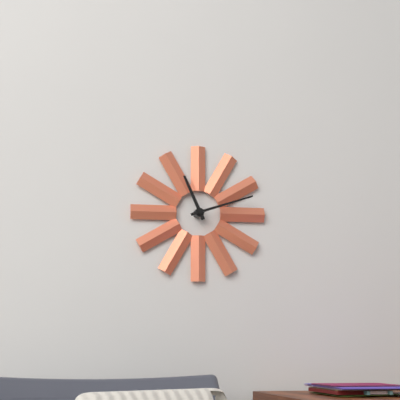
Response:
h=11 m=12
